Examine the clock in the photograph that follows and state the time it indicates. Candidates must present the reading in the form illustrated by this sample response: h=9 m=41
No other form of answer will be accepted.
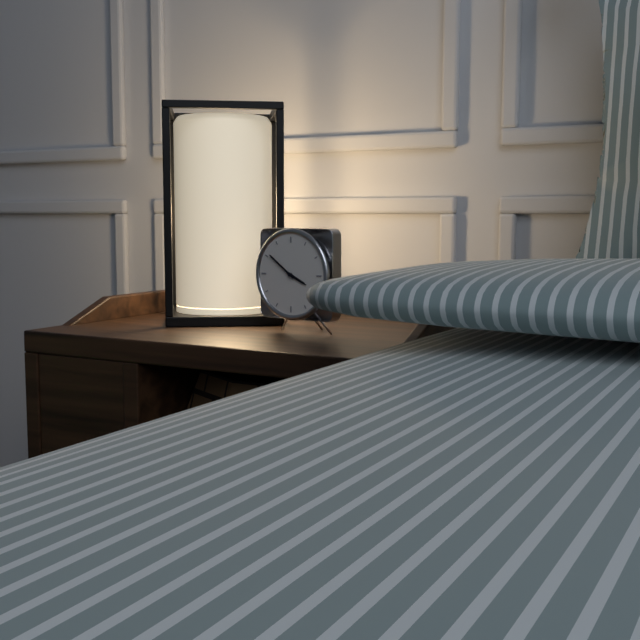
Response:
h=3 m=51
